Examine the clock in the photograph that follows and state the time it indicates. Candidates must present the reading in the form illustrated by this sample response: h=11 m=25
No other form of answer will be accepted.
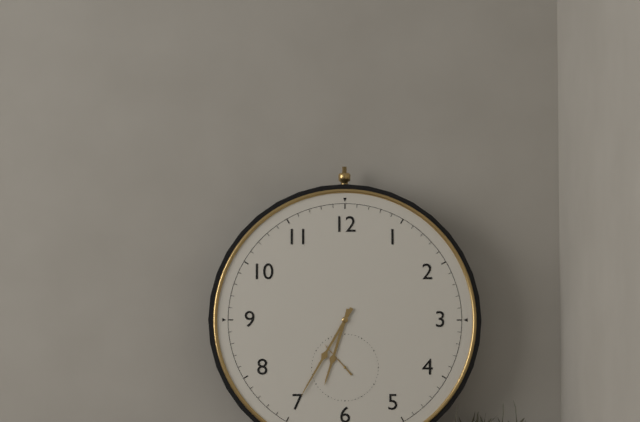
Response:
h=6 m=35
